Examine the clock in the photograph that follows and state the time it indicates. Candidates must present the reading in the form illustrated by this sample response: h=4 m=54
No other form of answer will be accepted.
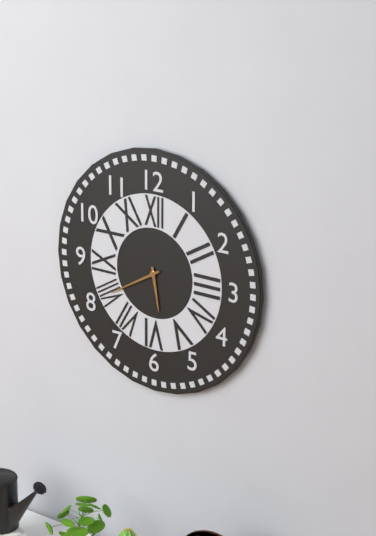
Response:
h=5 m=40
